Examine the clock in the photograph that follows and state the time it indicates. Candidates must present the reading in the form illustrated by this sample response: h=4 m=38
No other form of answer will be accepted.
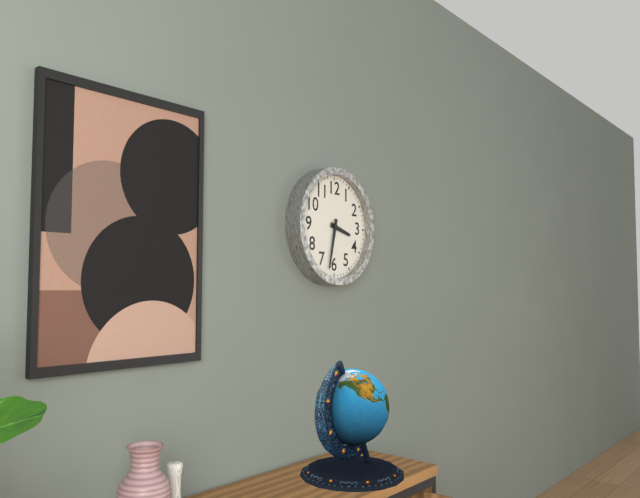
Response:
h=3 m=32
